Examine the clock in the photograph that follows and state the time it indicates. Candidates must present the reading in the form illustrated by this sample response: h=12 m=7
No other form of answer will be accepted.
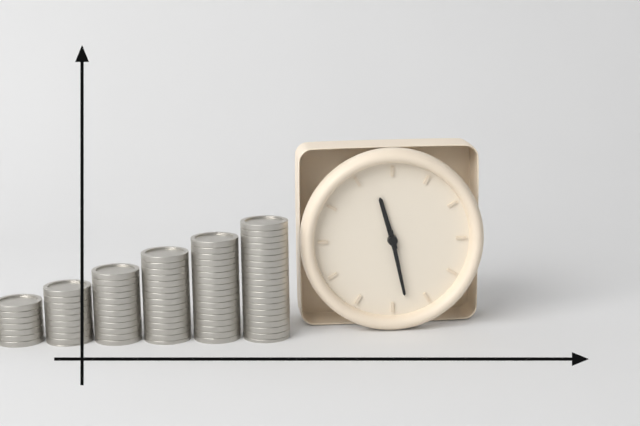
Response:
h=11 m=28
